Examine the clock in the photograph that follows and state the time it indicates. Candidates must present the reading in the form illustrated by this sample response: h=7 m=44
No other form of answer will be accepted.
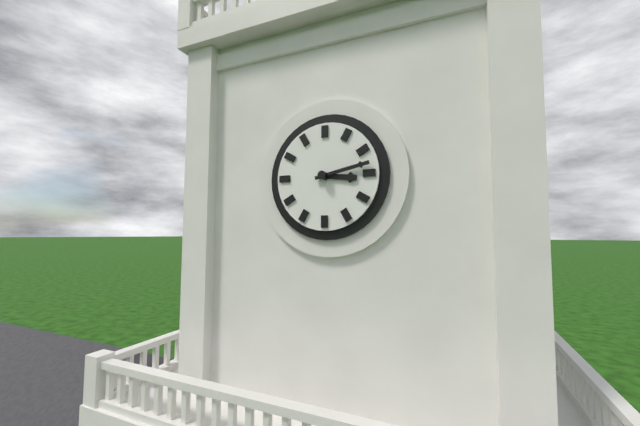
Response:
h=3 m=13
